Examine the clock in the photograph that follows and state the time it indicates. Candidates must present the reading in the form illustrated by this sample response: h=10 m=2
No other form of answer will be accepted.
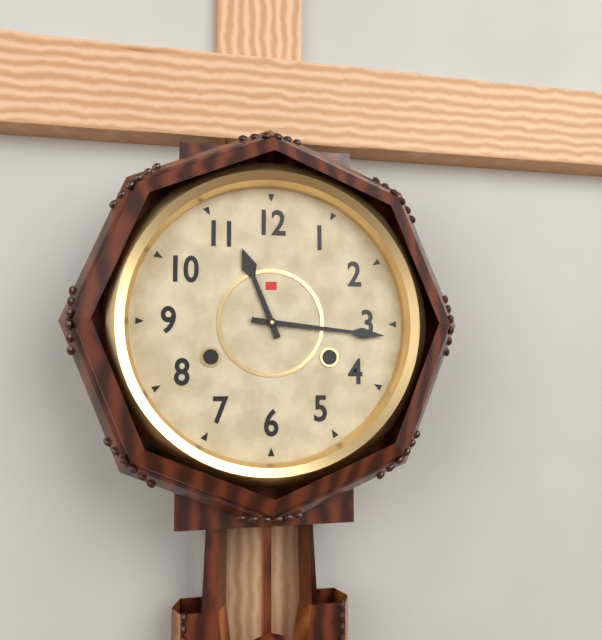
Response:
h=11 m=16
